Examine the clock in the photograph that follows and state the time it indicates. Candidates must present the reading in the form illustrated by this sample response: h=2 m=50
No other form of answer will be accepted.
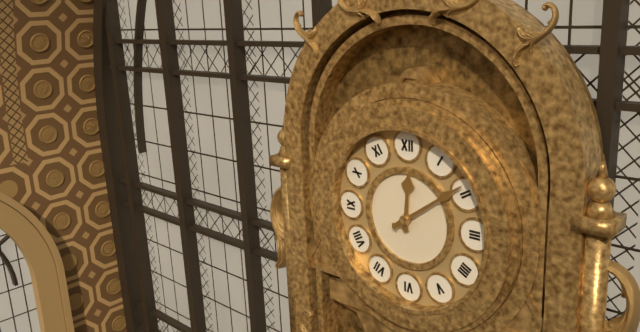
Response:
h=12 m=9
